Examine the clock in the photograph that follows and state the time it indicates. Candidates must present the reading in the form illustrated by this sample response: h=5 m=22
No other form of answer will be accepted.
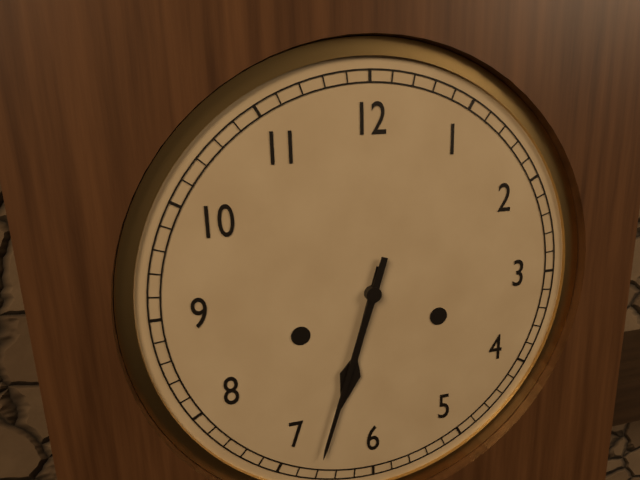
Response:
h=6 m=33
